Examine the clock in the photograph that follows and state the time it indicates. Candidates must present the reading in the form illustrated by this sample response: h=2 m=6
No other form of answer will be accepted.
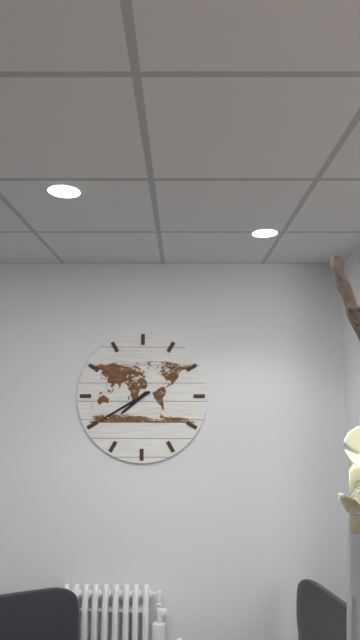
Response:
h=7 m=40
